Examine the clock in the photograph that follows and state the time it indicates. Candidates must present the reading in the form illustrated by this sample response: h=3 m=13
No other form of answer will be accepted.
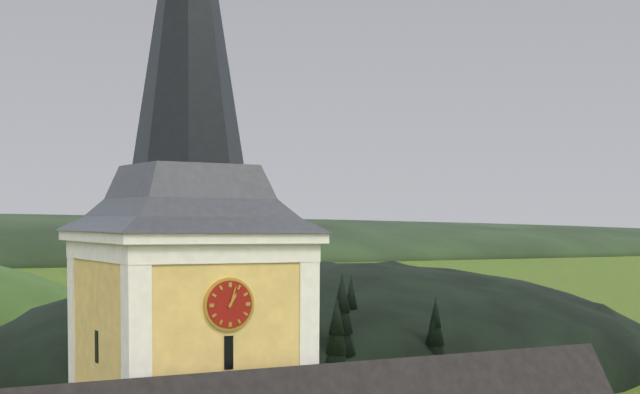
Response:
h=1 m=3
